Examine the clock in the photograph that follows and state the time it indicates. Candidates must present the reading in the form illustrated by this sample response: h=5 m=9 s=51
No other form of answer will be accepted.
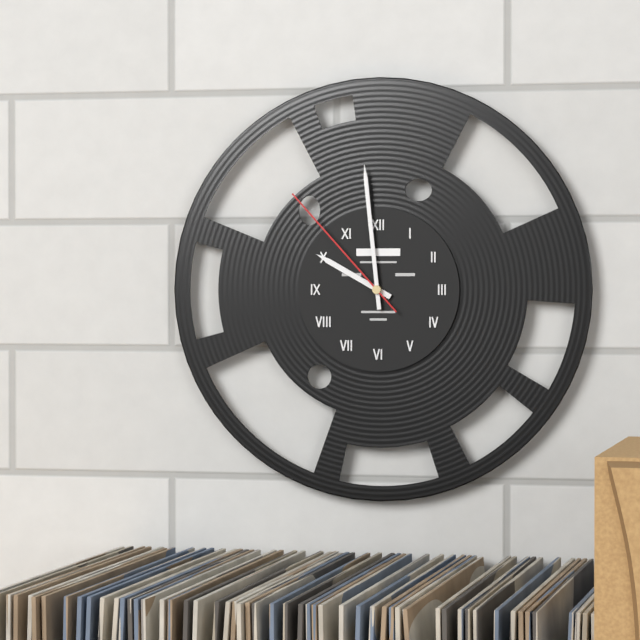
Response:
h=9 m=59 s=53
